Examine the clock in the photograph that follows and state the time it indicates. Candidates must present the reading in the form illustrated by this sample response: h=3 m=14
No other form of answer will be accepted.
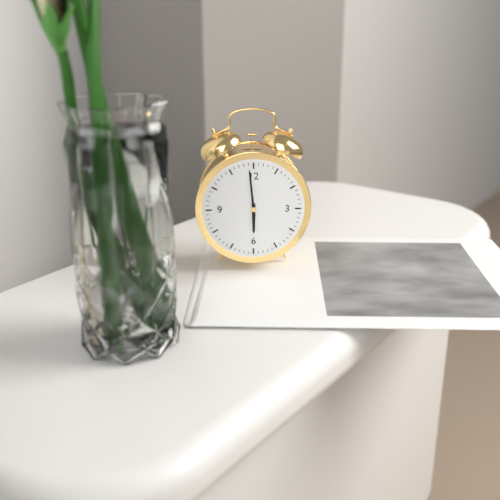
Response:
h=5 m=59
